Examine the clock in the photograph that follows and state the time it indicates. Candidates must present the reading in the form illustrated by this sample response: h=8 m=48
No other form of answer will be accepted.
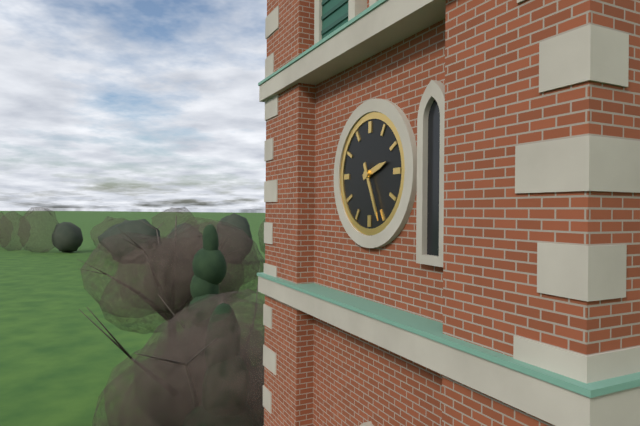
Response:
h=2 m=26
